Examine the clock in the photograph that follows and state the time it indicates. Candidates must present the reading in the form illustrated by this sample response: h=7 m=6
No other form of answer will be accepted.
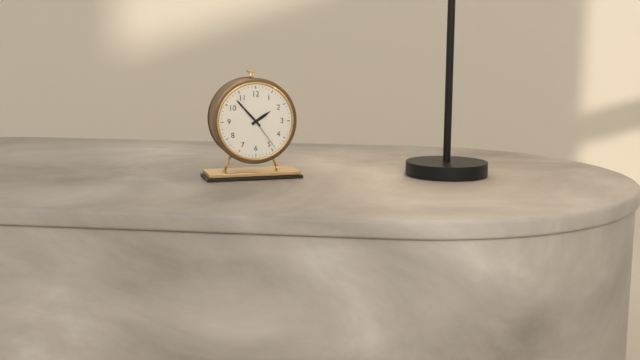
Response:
h=1 m=53
